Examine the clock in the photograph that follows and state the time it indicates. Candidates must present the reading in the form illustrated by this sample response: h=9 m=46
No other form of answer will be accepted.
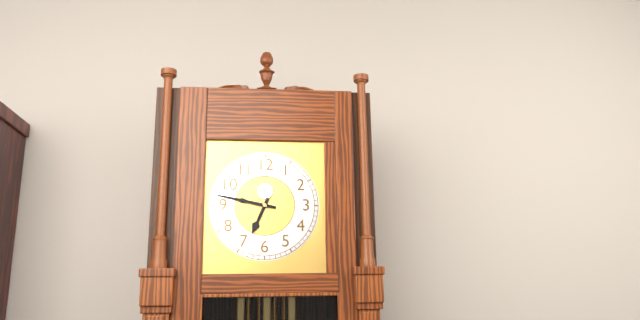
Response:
h=6 m=47
